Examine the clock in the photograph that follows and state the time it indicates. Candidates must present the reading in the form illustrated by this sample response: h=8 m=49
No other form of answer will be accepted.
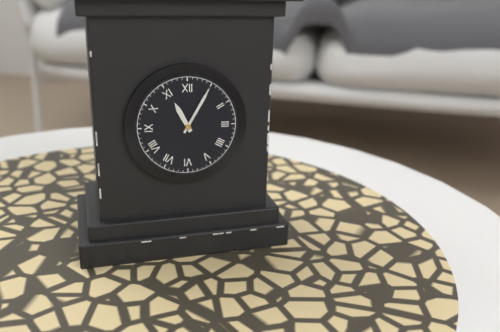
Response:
h=11 m=5
